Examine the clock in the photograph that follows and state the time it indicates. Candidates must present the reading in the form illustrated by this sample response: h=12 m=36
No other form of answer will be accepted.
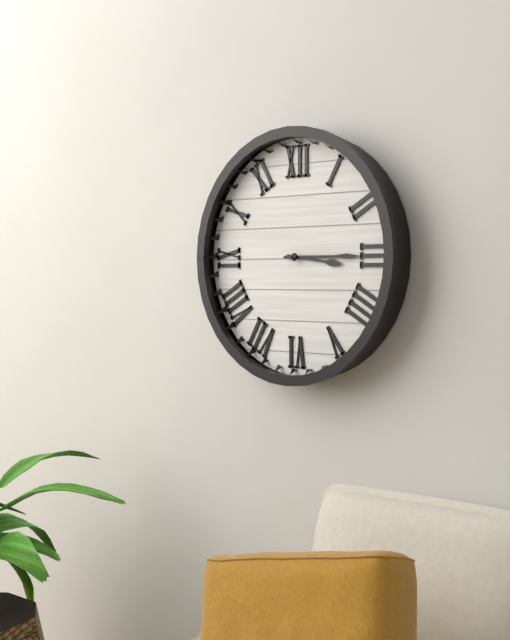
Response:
h=3 m=15
